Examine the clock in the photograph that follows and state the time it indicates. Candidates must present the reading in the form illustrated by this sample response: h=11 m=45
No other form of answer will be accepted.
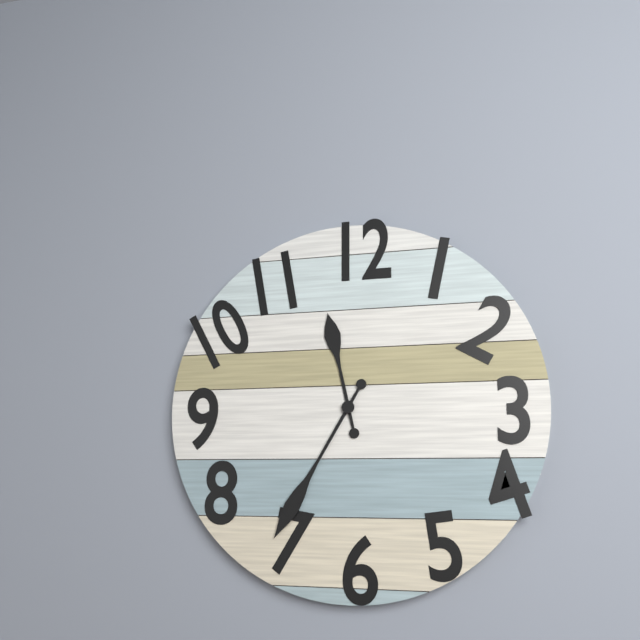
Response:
h=11 m=35
